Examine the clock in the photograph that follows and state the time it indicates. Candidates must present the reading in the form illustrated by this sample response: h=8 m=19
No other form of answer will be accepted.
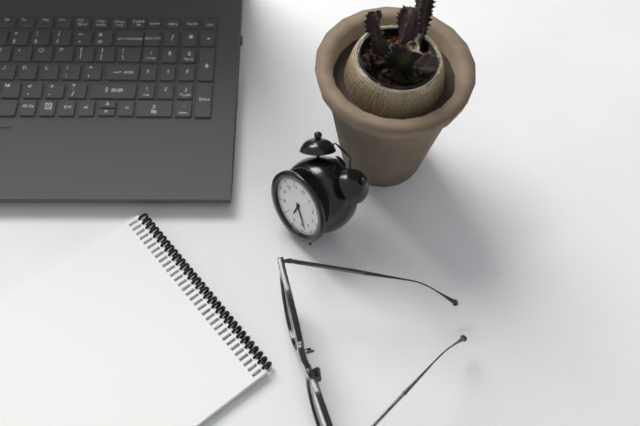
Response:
h=6 m=23
